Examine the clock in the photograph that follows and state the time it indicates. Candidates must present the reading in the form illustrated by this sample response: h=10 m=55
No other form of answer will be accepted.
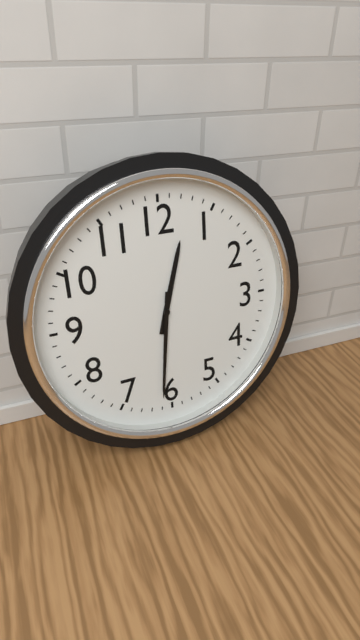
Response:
h=12 m=31
